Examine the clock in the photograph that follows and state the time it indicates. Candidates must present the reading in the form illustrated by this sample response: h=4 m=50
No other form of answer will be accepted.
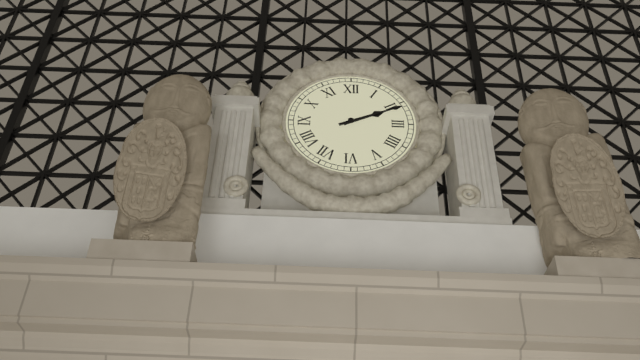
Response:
h=2 m=11
